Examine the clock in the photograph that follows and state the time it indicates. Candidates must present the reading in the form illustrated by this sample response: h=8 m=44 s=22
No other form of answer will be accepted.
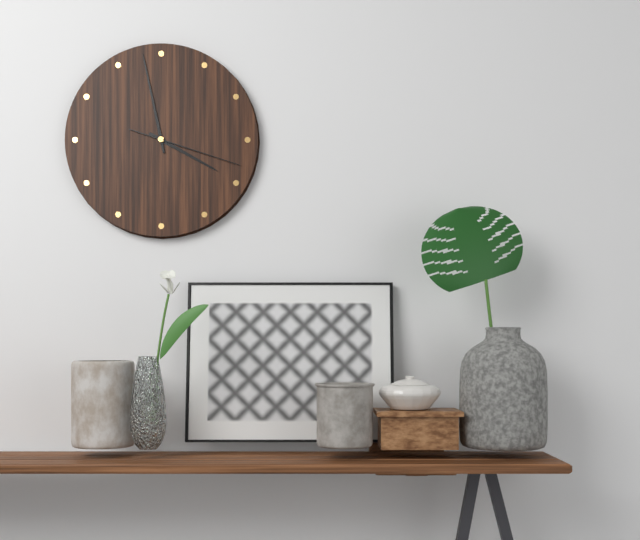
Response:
h=3 m=58 s=18
